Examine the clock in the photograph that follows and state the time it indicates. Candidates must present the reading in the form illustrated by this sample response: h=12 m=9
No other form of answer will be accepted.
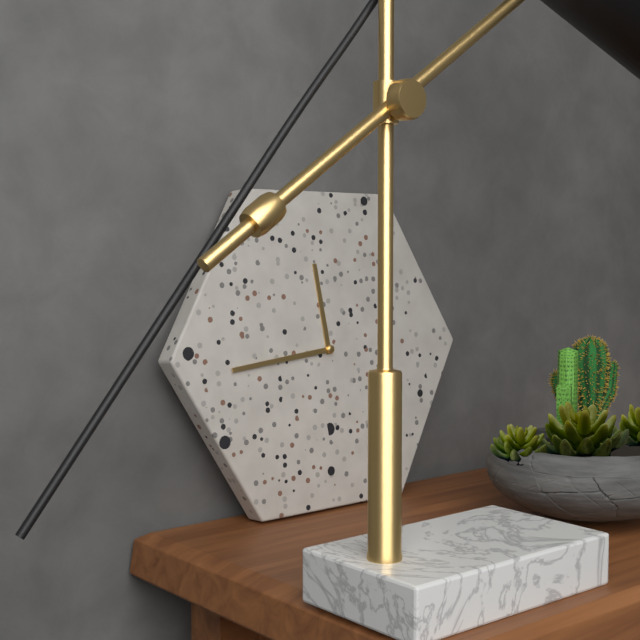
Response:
h=11 m=44
